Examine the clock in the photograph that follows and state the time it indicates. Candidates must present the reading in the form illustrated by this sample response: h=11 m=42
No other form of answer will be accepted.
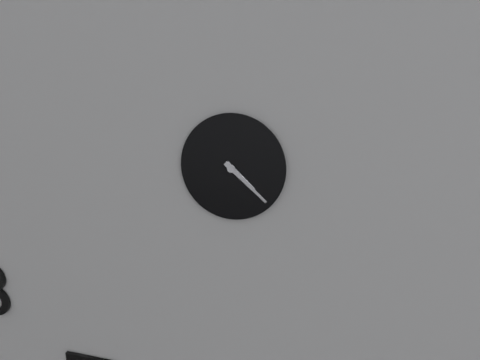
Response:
h=4 m=22
